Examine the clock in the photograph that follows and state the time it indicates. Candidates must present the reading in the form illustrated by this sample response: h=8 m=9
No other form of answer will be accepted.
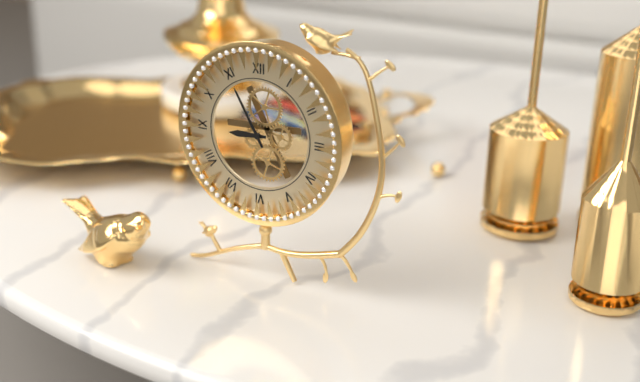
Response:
h=8 m=55
